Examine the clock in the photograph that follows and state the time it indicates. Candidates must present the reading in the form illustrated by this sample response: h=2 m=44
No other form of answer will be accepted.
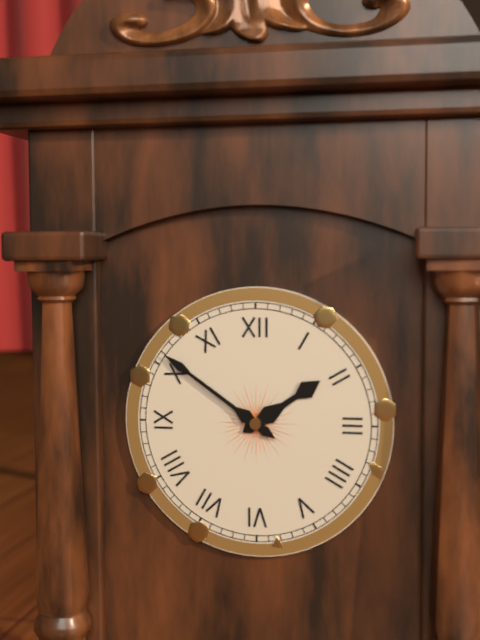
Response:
h=1 m=51
